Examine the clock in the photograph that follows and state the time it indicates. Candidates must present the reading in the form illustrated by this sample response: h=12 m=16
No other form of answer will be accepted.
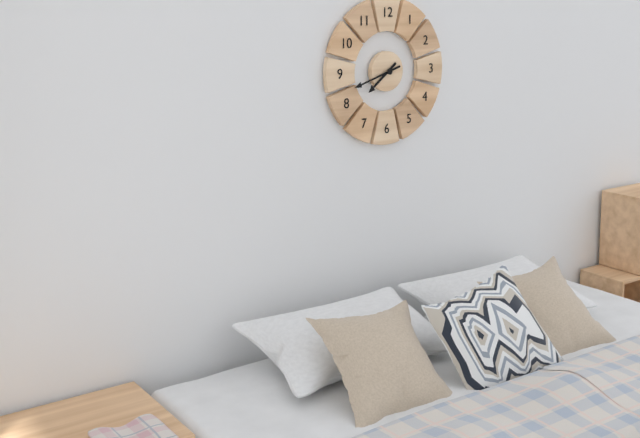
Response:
h=7 m=42
